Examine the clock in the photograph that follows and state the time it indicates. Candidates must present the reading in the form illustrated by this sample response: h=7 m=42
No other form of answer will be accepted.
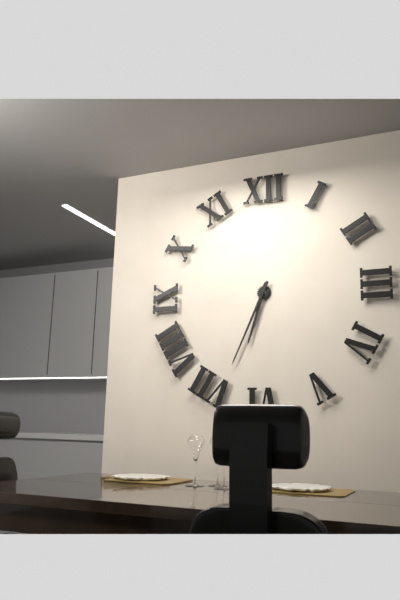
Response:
h=6 m=34
